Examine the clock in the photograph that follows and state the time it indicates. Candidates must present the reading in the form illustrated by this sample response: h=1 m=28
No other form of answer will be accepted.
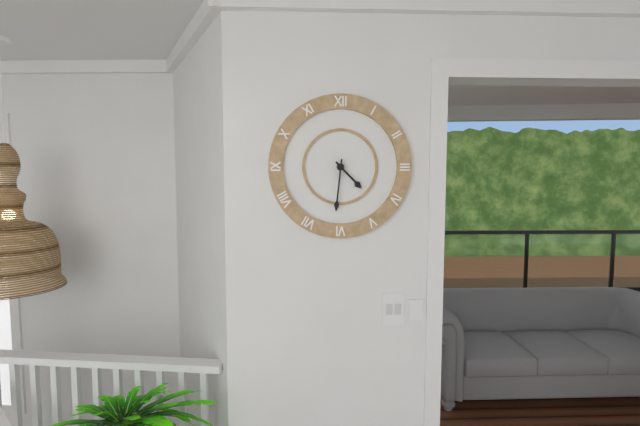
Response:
h=4 m=31
